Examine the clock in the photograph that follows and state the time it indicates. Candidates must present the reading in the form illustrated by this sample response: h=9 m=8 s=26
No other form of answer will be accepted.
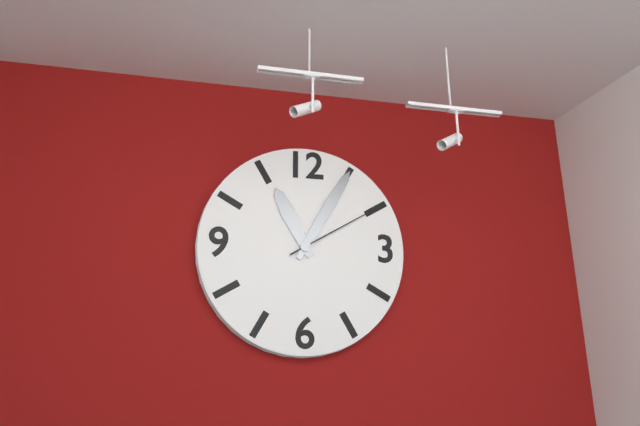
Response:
h=11 m=5 s=10
